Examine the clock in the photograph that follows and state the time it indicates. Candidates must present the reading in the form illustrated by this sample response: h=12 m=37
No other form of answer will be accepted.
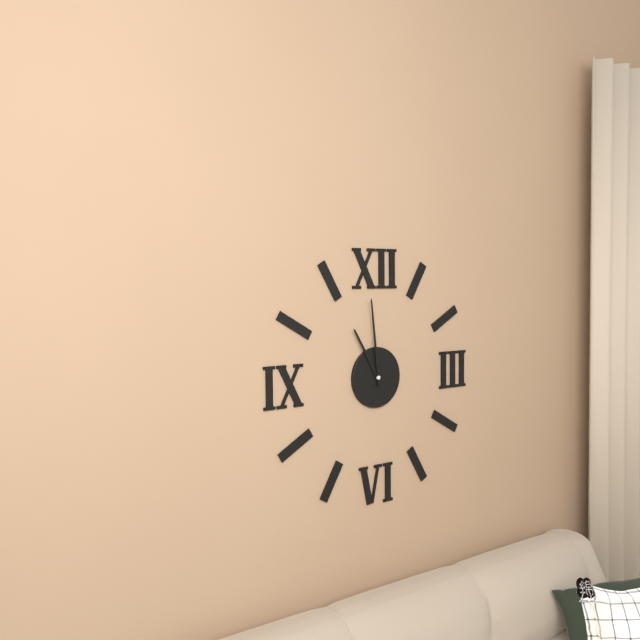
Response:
h=10 m=59
